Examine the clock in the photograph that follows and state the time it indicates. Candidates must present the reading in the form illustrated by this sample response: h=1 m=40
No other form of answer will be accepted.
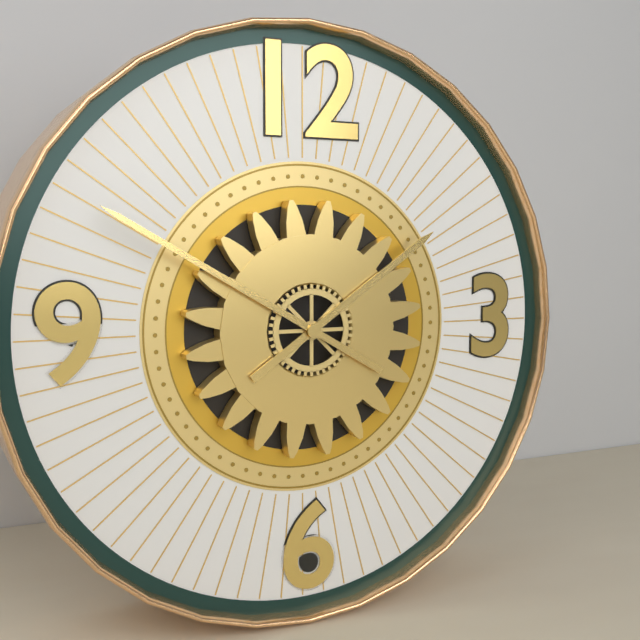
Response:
h=1 m=50
